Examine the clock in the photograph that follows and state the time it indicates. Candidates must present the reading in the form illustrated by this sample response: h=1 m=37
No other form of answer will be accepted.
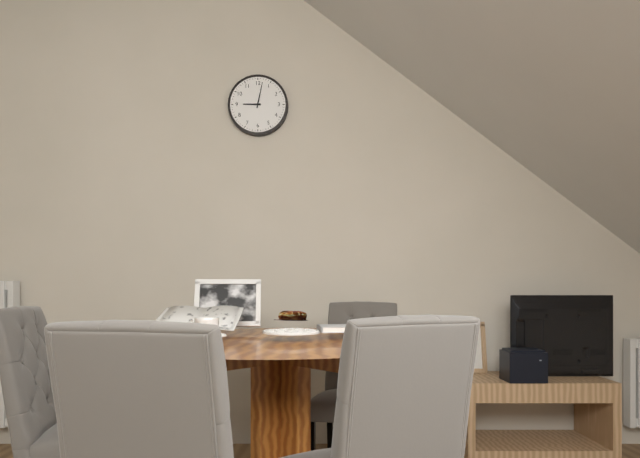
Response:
h=9 m=2
